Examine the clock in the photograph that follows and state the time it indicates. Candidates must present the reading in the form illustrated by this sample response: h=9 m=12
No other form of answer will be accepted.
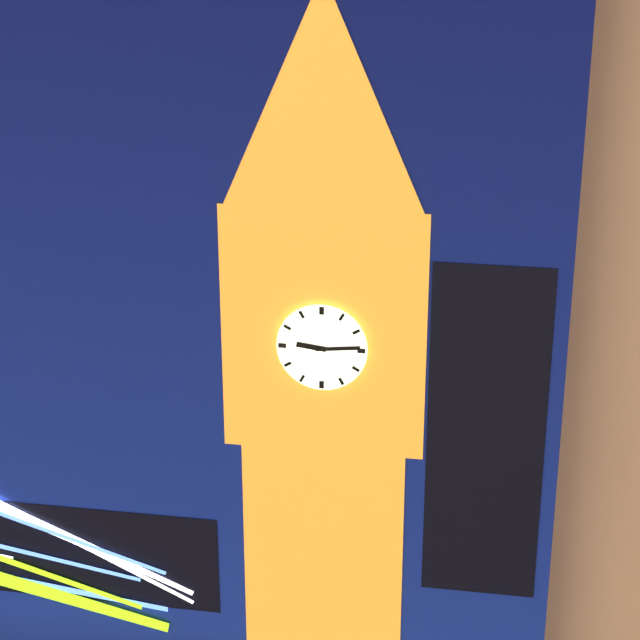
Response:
h=9 m=14
